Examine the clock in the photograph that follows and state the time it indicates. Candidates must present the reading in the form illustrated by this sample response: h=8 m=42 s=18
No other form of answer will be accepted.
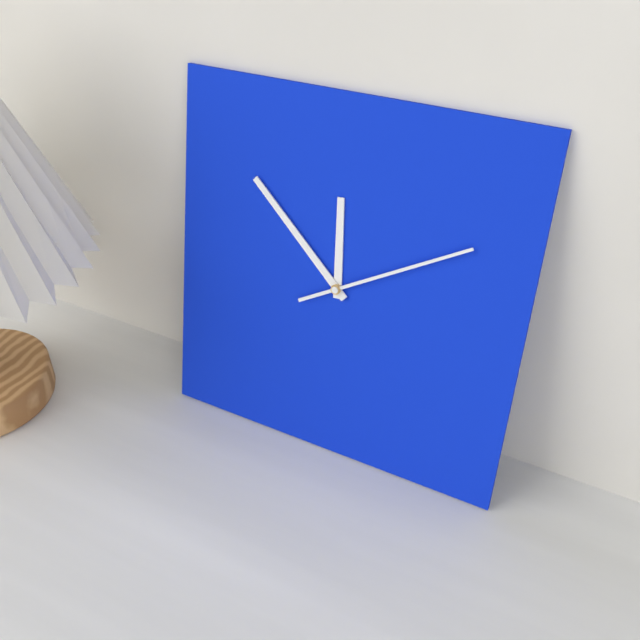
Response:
h=11 m=52 s=10
